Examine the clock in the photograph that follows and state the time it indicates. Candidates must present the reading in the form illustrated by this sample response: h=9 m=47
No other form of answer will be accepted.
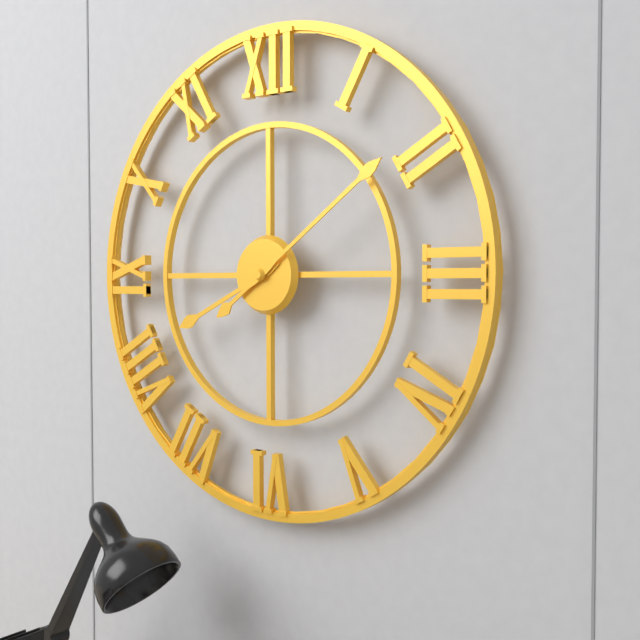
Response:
h=8 m=9
